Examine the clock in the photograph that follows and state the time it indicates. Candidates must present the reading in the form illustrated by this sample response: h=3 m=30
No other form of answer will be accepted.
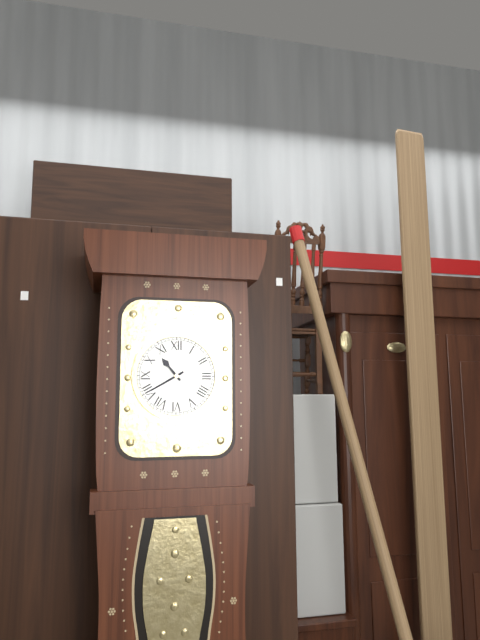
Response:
h=10 m=40
